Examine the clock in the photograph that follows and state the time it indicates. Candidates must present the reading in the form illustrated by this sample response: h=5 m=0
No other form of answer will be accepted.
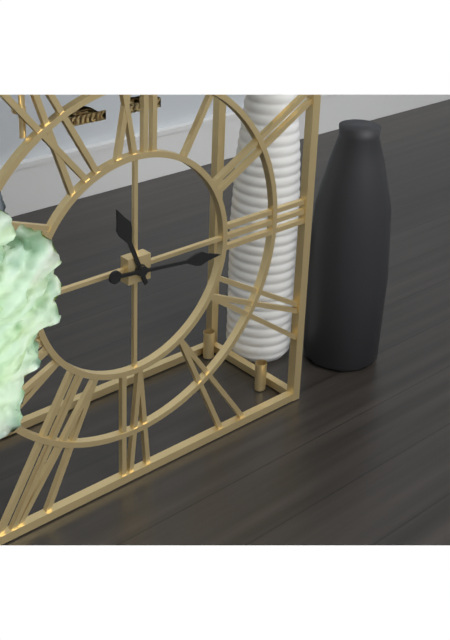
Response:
h=11 m=16
